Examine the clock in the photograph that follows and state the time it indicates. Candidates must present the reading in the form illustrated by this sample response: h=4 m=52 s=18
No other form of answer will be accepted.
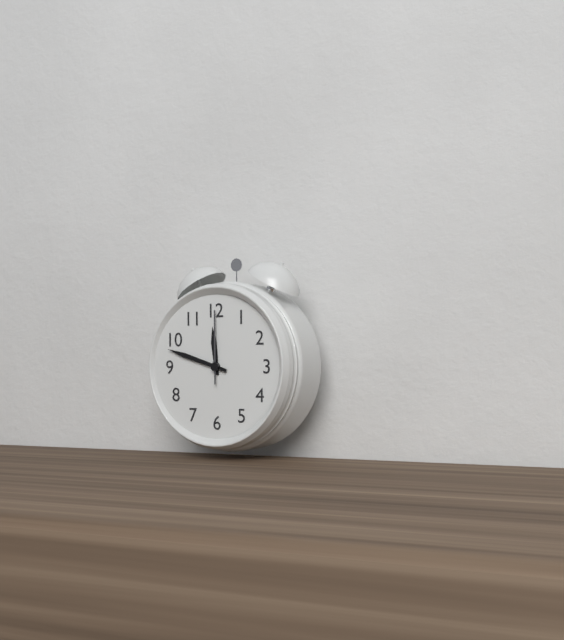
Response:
h=11 m=48 s=0
